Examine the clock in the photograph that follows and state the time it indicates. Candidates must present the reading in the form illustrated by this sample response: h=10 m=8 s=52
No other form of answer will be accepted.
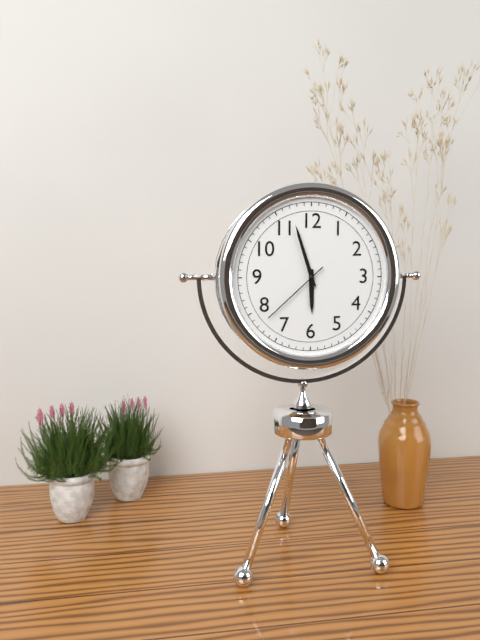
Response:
h=5 m=57 s=38
